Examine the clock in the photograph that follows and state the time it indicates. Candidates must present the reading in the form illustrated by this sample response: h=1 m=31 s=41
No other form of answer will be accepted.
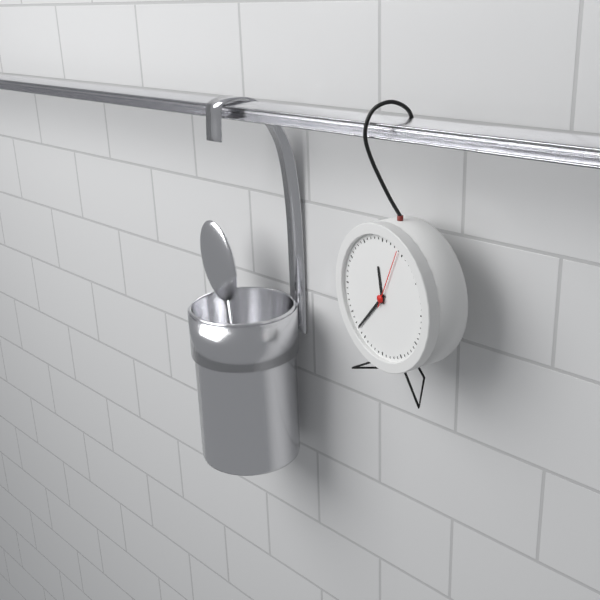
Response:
h=11 m=37 s=4
